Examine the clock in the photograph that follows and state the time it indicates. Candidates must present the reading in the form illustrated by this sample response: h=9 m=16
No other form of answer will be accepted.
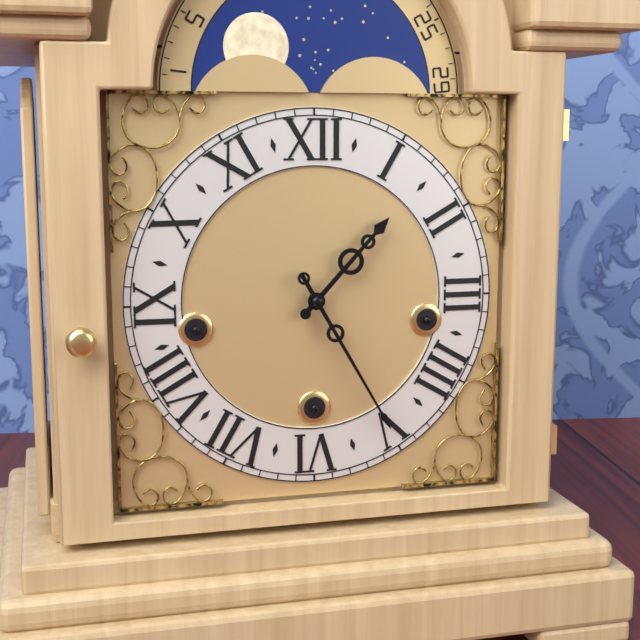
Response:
h=1 m=25
